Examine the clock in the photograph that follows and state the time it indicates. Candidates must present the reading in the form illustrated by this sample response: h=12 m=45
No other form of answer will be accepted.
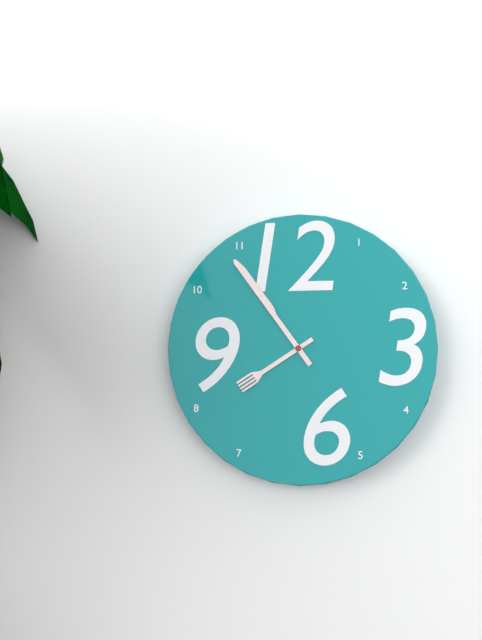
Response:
h=7 m=54
